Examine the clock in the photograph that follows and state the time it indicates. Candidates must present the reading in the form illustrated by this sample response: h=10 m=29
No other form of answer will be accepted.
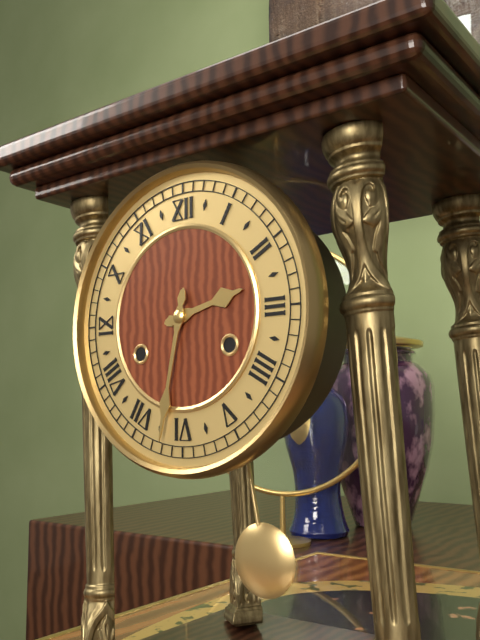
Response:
h=2 m=32
